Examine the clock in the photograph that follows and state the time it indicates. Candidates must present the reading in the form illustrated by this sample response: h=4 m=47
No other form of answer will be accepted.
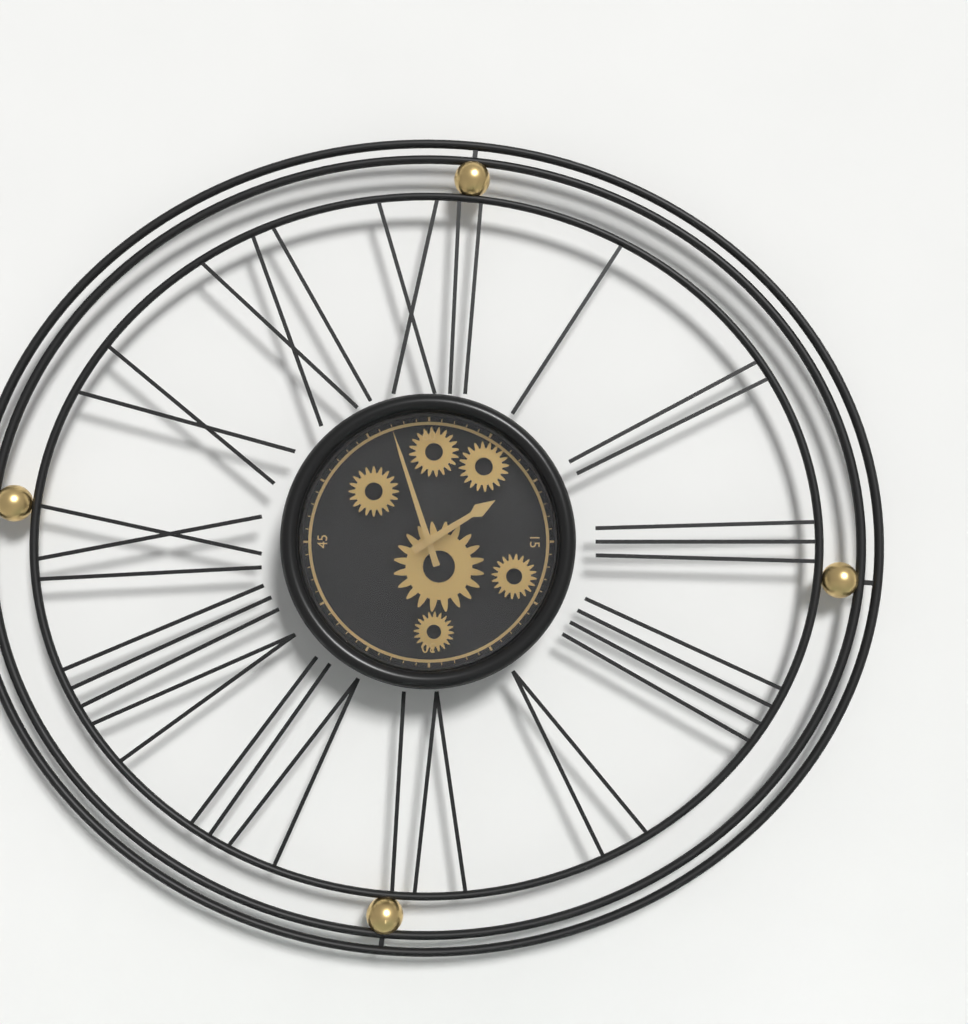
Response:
h=1 m=57
